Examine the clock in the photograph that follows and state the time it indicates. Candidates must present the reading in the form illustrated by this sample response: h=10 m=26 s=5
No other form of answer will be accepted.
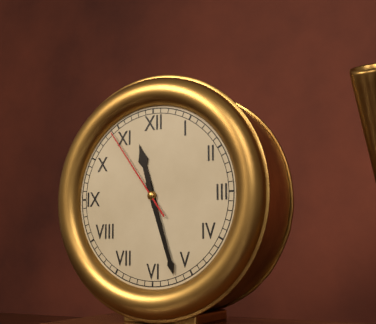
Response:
h=11 m=27 s=54
